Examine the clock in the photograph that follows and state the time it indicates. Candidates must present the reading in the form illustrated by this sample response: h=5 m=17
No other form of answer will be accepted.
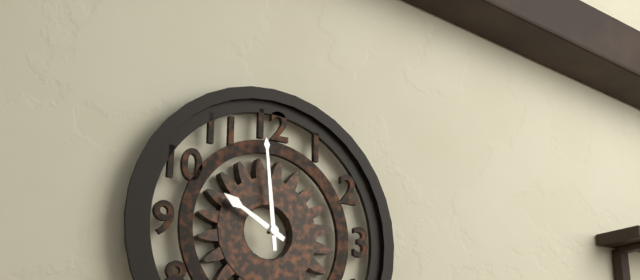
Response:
h=9 m=59
